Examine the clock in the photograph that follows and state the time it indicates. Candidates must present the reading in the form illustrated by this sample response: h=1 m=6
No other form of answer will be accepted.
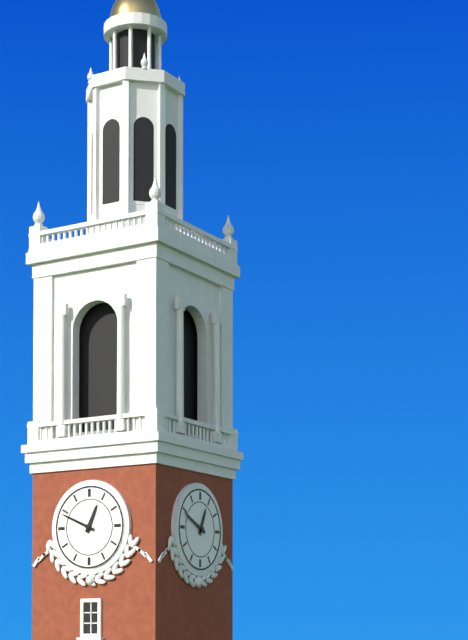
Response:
h=12 m=49
